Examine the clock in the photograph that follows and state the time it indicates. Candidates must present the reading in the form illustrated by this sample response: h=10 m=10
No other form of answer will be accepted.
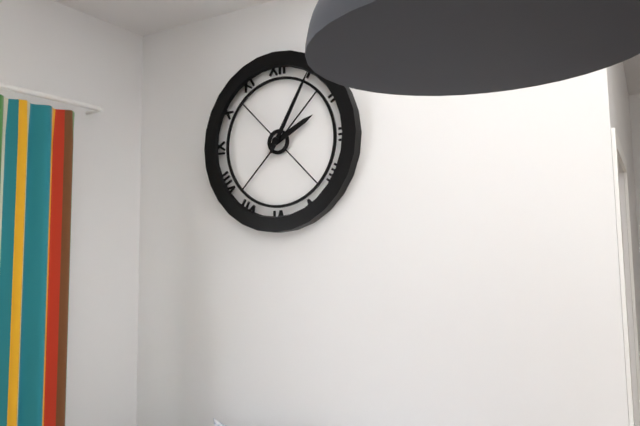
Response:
h=2 m=5
